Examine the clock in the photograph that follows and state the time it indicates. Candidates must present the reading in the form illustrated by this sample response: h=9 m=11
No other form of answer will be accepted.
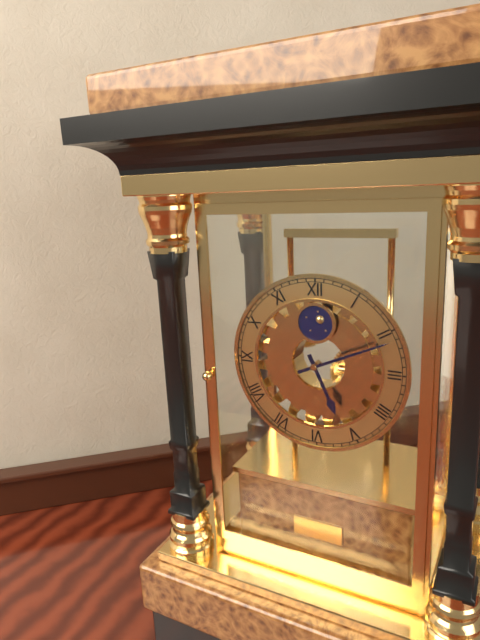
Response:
h=5 m=11
